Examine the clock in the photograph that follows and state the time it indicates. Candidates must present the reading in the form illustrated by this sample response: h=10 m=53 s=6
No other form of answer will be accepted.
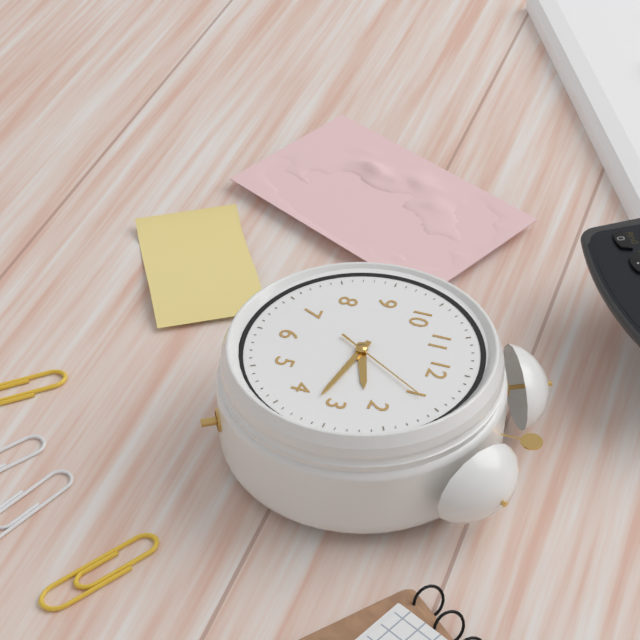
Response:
h=2 m=17 s=5
